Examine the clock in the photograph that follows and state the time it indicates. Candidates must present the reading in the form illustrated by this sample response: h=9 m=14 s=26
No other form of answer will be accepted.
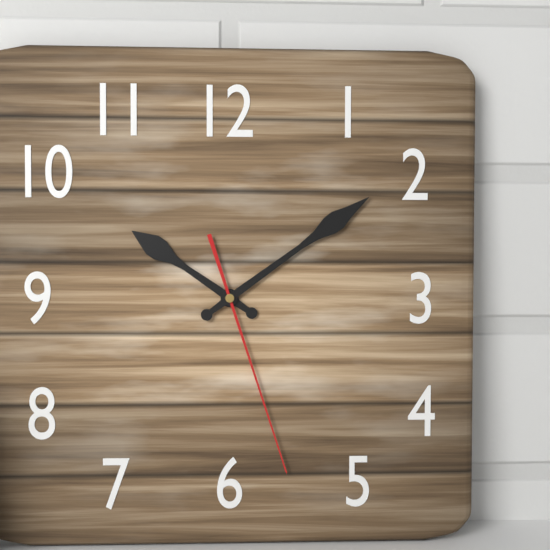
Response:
h=10 m=9 s=27
